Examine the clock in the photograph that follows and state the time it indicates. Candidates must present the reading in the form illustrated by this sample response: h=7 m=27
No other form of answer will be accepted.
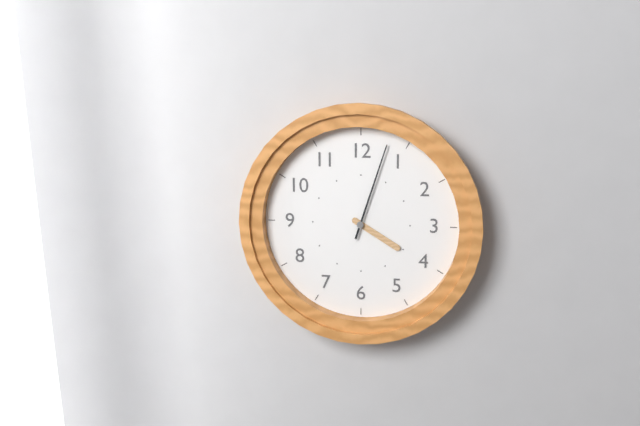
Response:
h=4 m=3
